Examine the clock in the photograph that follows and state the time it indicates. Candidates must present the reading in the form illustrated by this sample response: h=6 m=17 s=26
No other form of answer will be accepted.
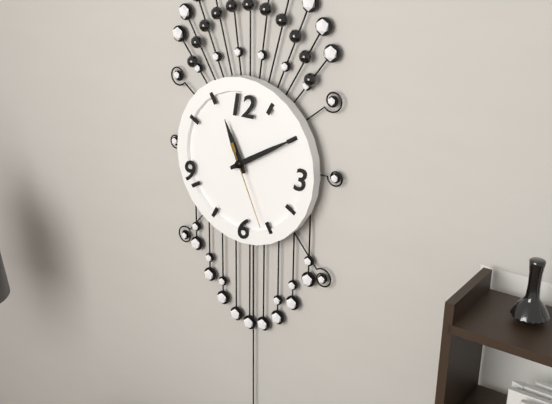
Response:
h=11 m=10 s=26
